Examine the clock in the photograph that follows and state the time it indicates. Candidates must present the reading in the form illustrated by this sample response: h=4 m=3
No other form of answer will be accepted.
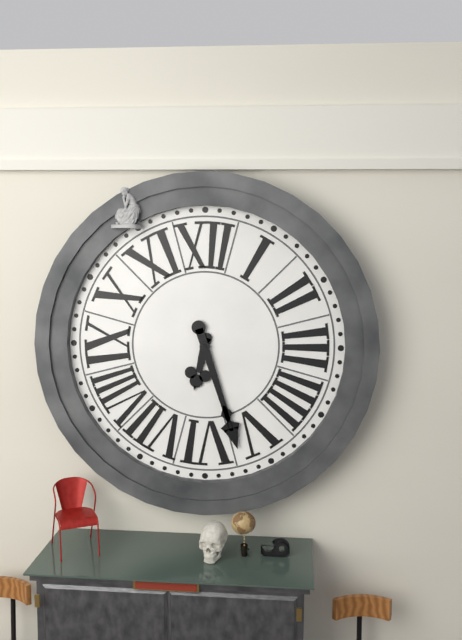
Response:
h=6 m=27
